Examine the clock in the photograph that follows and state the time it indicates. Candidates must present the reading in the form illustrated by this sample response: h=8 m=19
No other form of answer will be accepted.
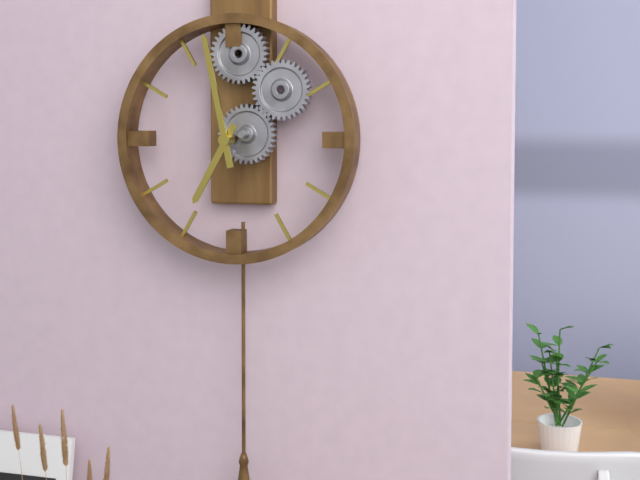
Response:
h=6 m=58
